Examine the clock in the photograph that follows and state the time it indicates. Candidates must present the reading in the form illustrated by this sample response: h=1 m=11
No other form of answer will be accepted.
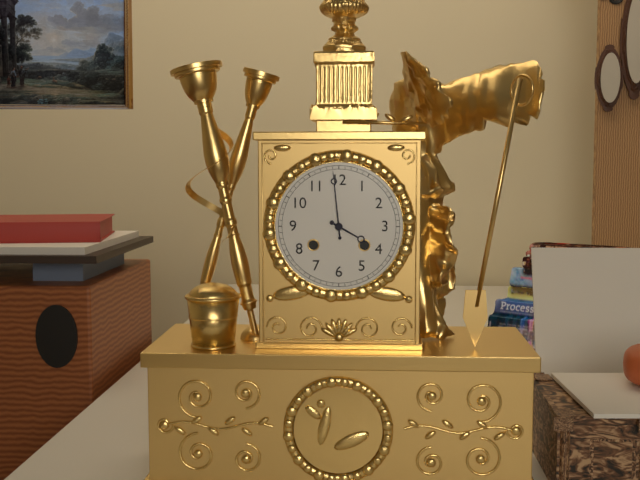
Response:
h=3 m=59
